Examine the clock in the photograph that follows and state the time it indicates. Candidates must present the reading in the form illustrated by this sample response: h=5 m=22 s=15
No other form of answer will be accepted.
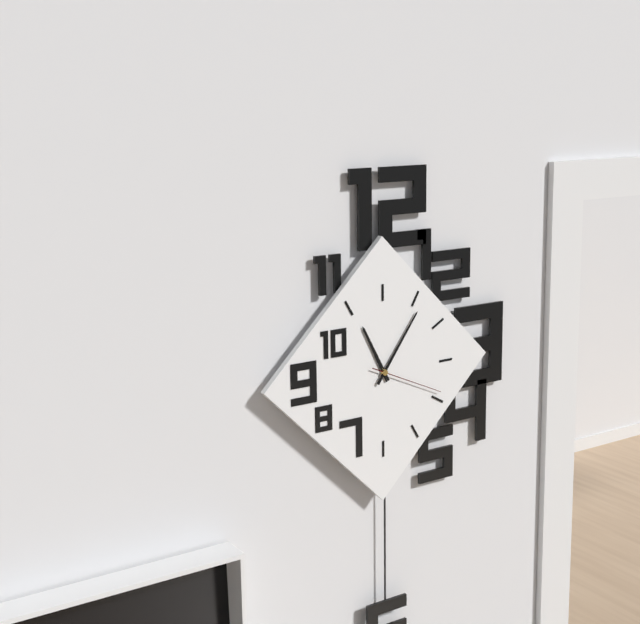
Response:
h=11 m=6 s=19
